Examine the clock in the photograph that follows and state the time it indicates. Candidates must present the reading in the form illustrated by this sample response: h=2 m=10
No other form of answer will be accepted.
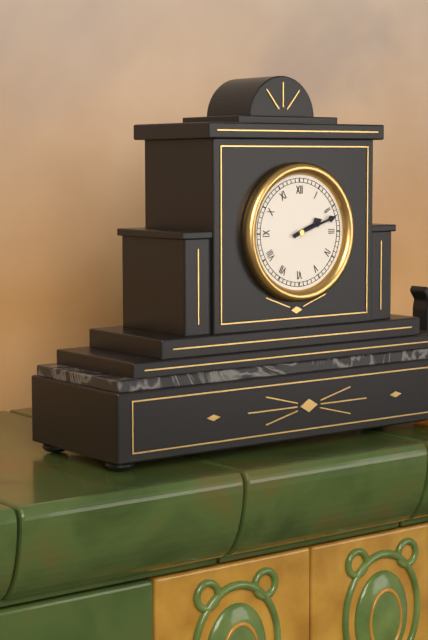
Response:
h=2 m=12
